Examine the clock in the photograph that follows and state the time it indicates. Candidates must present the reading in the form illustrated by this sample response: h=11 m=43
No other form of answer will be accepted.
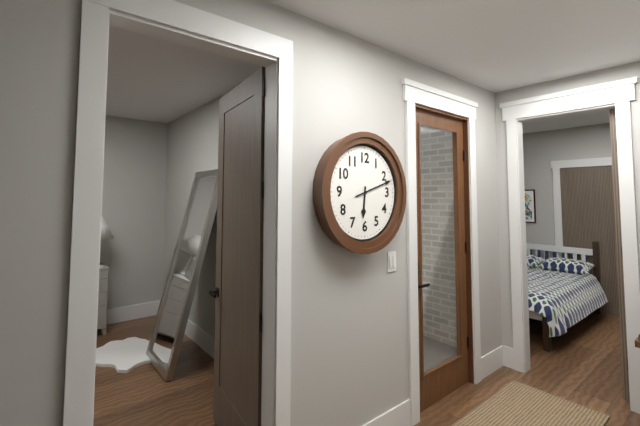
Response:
h=6 m=12
